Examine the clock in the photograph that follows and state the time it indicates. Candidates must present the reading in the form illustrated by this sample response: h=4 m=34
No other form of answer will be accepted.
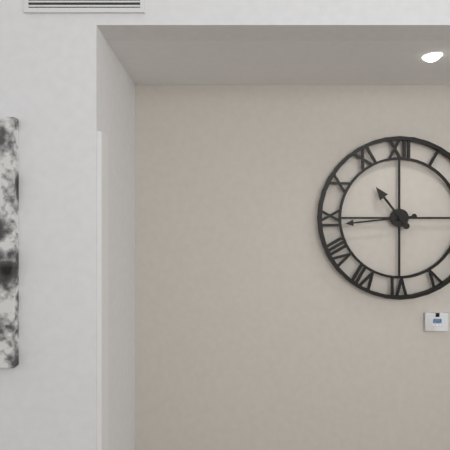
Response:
h=10 m=44
